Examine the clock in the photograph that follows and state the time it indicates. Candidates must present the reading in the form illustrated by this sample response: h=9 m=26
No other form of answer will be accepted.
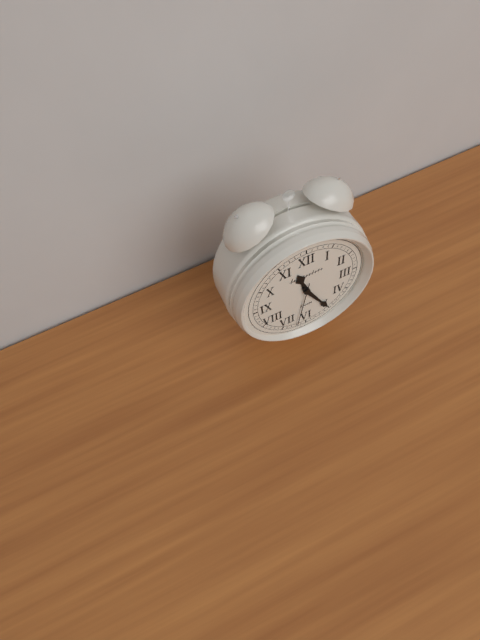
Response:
h=11 m=25
